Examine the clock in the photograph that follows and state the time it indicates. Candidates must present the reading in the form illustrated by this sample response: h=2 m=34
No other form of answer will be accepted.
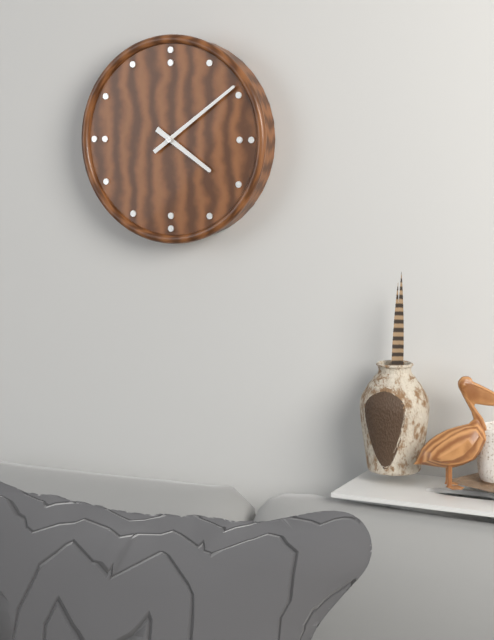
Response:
h=4 m=9
